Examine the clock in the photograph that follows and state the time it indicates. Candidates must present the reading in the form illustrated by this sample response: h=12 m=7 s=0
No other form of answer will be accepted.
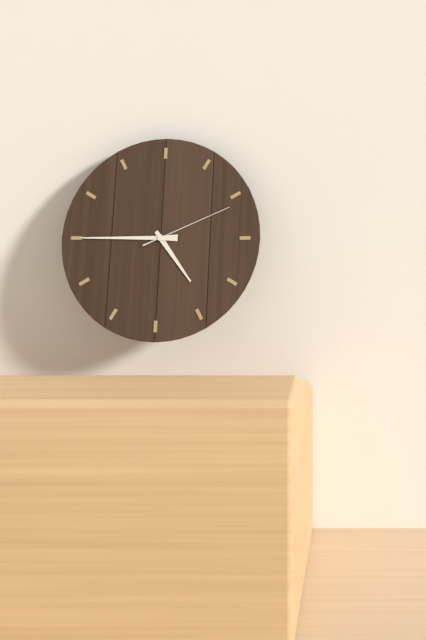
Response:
h=4 m=45 s=11
